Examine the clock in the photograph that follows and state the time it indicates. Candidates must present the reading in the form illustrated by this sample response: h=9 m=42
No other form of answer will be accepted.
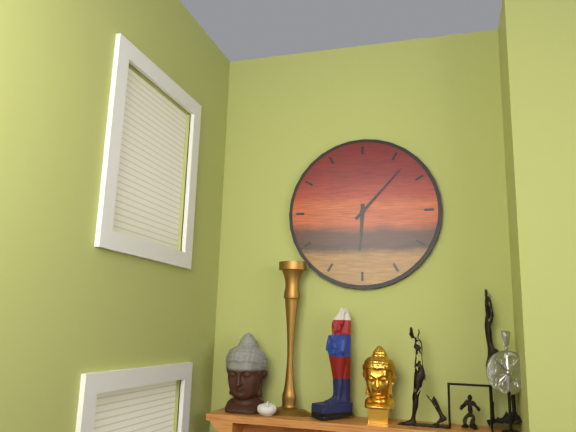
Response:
h=6 m=7
